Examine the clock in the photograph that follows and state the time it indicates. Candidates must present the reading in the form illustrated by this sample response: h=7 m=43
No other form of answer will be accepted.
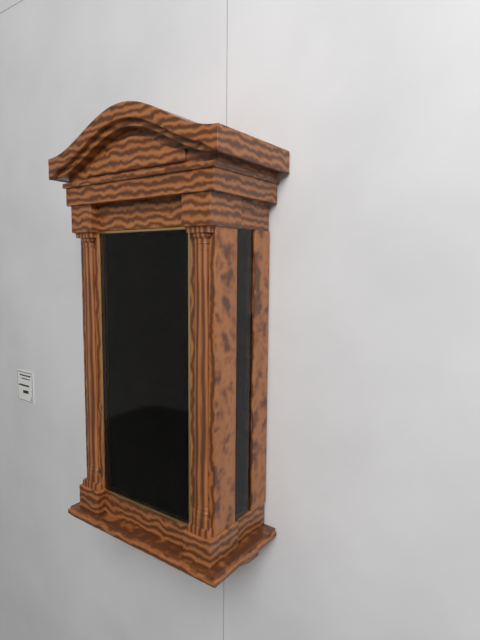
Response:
h=12 m=30
